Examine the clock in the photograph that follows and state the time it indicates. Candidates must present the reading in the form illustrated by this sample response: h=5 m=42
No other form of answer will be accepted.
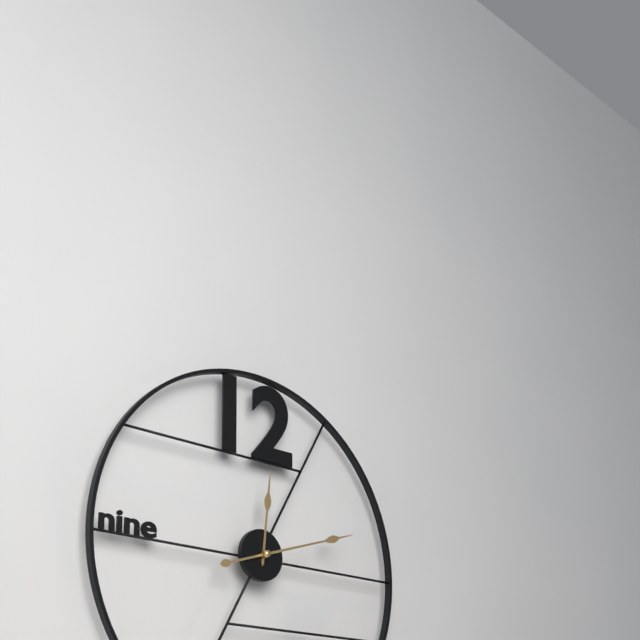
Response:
h=12 m=12
